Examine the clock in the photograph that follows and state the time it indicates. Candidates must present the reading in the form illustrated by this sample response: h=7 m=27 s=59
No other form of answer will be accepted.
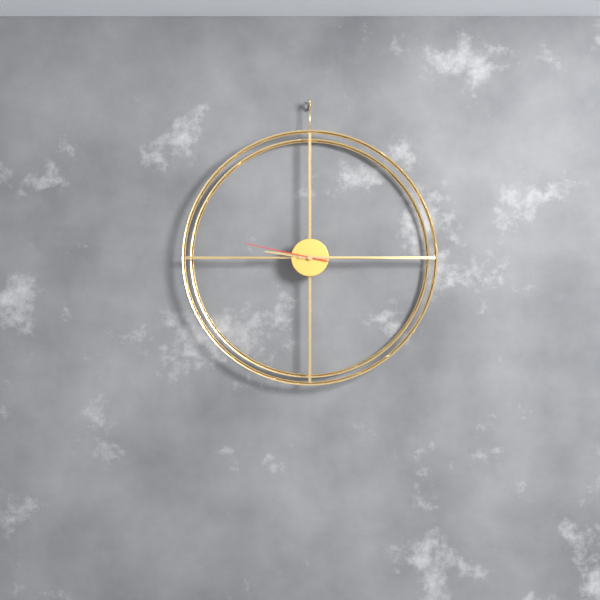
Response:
h=9 m=15 s=47
